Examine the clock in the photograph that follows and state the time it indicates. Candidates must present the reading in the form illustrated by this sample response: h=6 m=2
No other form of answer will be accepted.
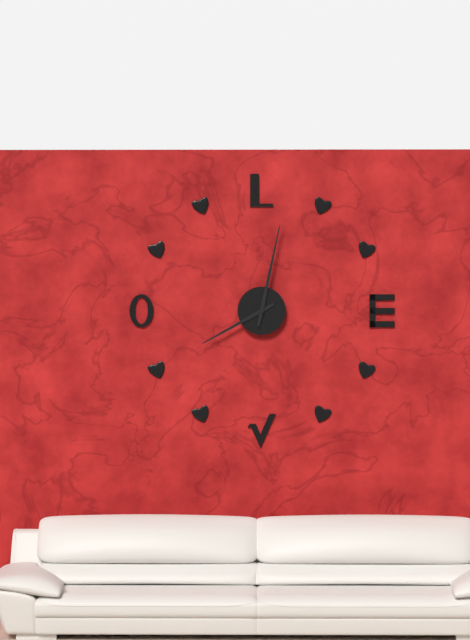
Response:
h=8 m=2
